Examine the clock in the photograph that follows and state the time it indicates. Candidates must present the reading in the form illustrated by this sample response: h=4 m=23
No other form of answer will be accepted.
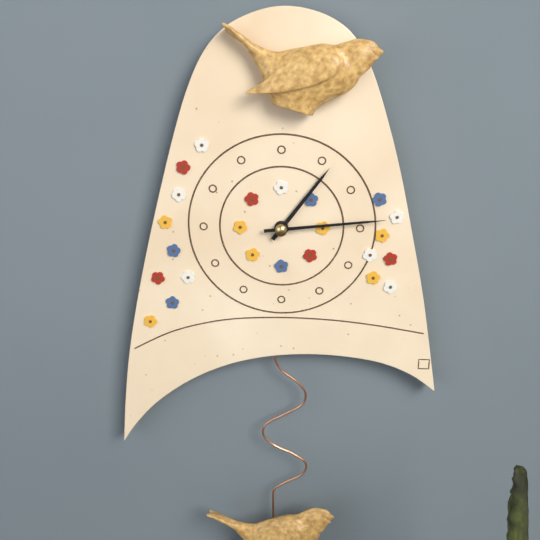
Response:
h=1 m=14
